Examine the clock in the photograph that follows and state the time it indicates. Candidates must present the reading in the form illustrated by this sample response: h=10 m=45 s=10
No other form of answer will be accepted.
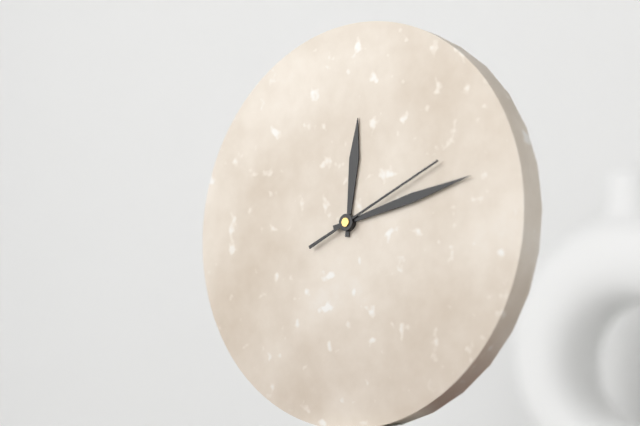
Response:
h=12 m=13 s=11
